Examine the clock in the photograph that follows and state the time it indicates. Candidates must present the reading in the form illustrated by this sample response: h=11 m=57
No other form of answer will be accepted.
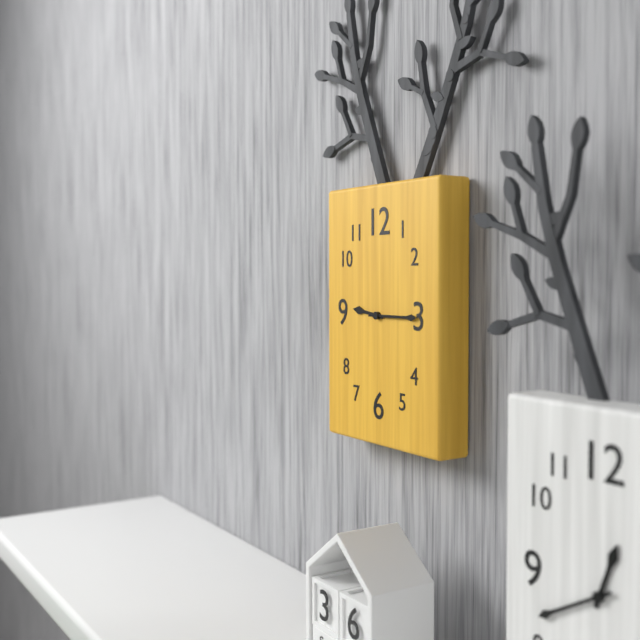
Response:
h=9 m=15
